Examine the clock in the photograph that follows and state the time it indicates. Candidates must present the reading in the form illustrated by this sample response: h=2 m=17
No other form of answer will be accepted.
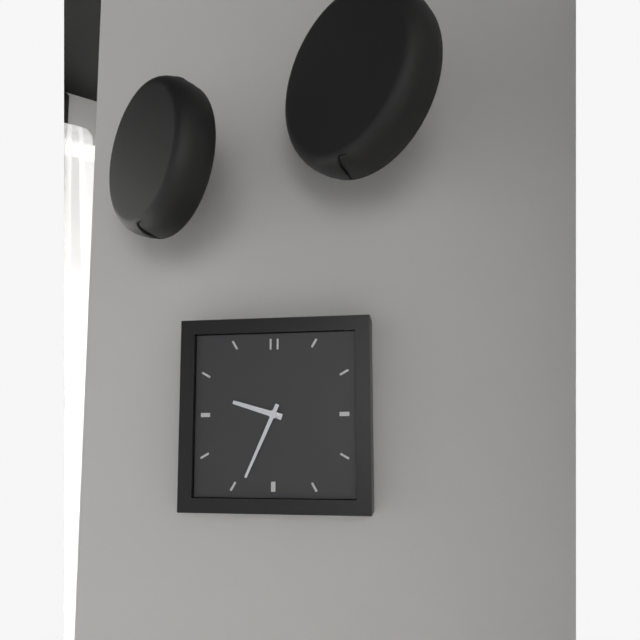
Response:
h=9 m=34
